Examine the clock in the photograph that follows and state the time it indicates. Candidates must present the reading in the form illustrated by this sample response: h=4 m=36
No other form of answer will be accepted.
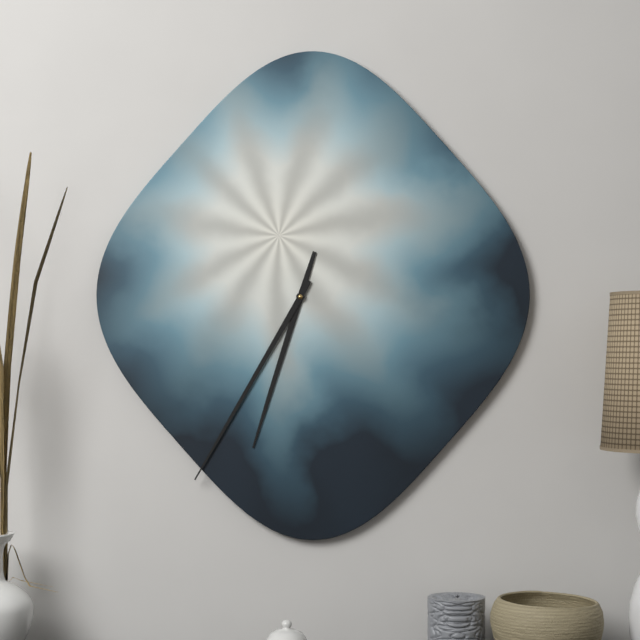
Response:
h=6 m=35
